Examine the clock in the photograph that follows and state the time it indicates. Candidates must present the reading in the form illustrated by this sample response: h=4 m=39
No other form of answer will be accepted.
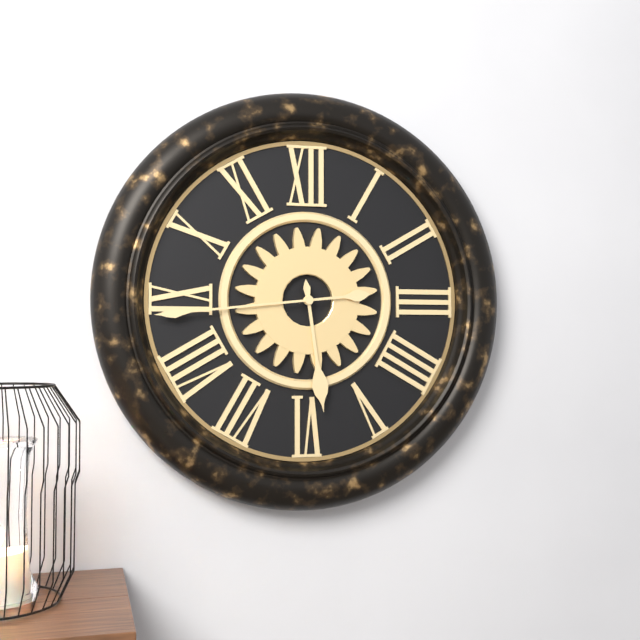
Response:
h=5 m=44
